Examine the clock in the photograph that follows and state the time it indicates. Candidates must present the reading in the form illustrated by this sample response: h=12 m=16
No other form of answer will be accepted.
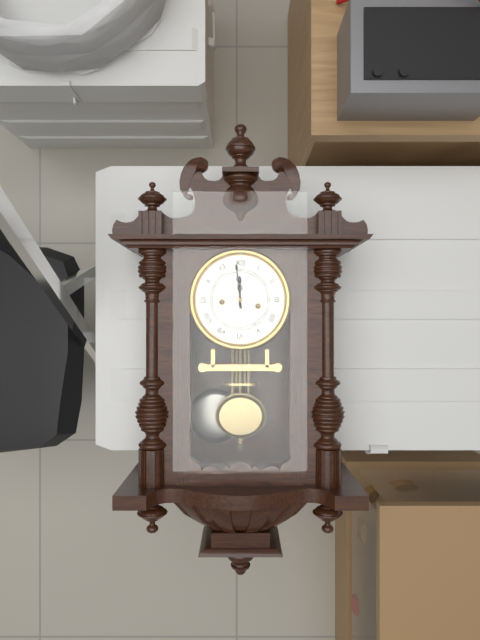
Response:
h=11 m=59
